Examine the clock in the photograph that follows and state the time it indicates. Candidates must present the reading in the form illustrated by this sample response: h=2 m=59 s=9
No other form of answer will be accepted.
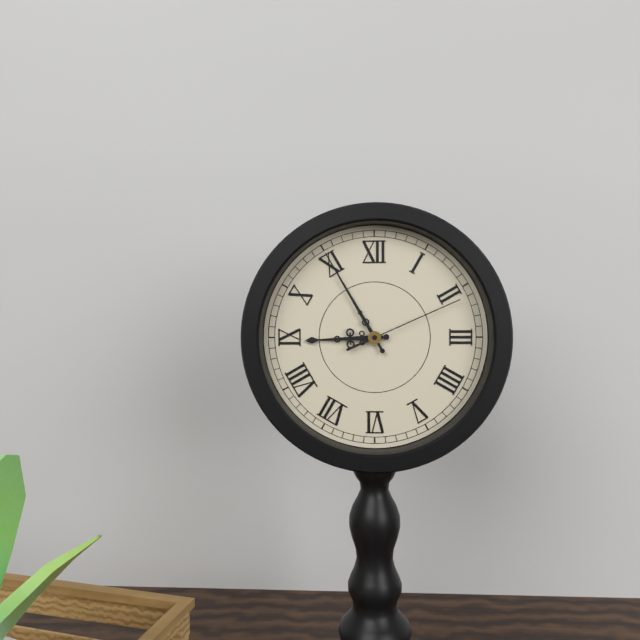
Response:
h=8 m=55 s=11
